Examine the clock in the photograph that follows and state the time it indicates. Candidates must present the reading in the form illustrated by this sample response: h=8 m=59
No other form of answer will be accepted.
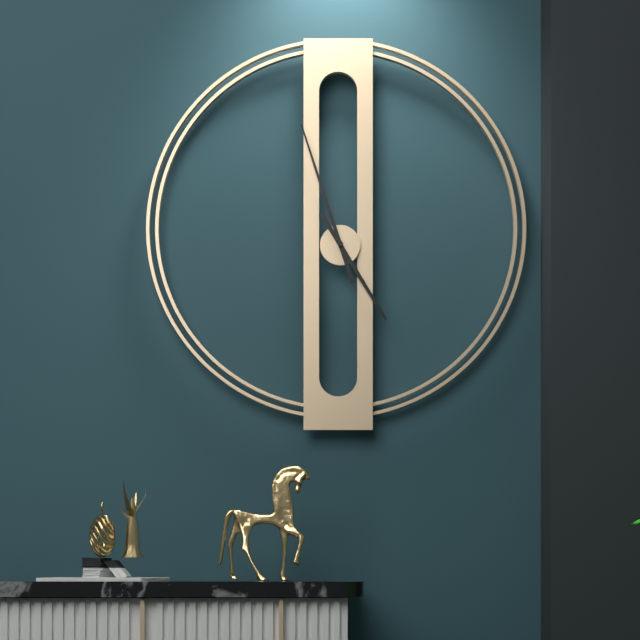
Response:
h=4 m=57
